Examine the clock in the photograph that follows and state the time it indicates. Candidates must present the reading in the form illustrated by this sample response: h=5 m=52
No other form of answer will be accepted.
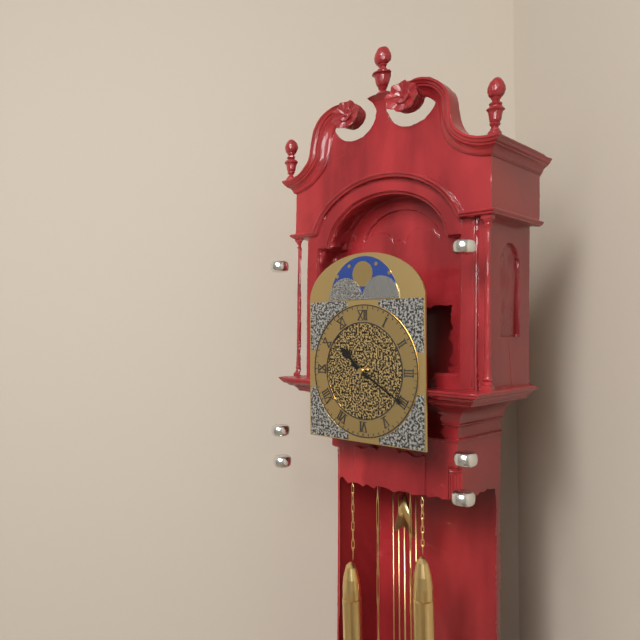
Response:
h=10 m=20
